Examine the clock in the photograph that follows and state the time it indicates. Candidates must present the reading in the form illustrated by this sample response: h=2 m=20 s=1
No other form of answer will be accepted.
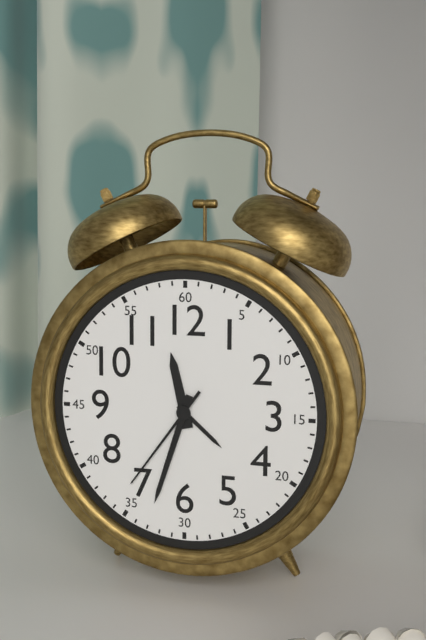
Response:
h=11 m=33 s=36
